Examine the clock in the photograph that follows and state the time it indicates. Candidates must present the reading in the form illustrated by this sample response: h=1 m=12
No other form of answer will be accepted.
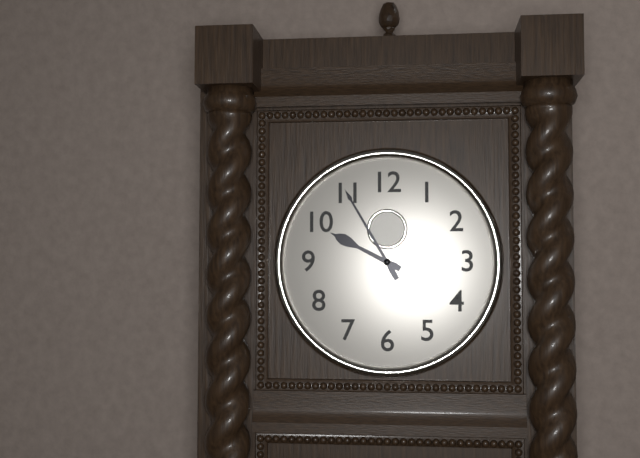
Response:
h=9 m=55
